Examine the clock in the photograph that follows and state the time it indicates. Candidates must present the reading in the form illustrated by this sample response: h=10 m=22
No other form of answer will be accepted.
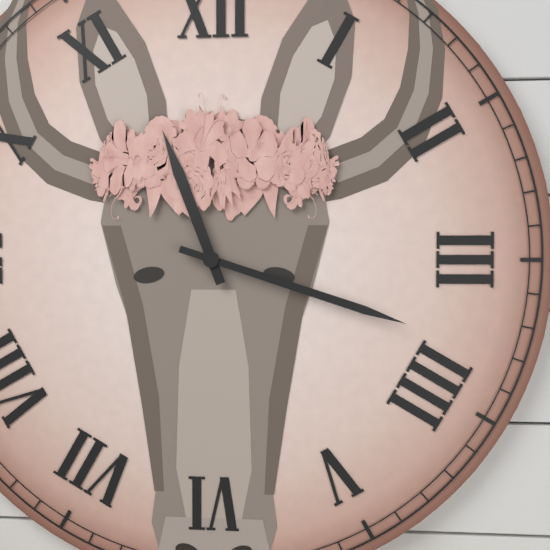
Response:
h=11 m=18
